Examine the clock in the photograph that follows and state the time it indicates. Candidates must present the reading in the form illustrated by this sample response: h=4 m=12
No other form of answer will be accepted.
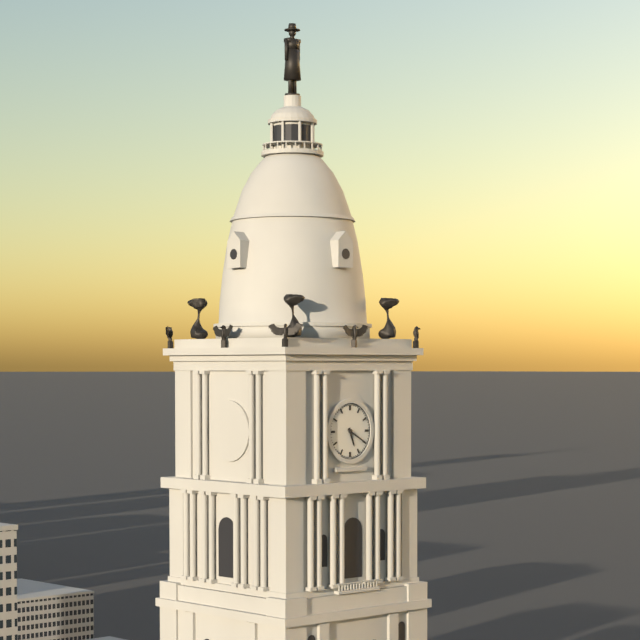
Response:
h=5 m=20
